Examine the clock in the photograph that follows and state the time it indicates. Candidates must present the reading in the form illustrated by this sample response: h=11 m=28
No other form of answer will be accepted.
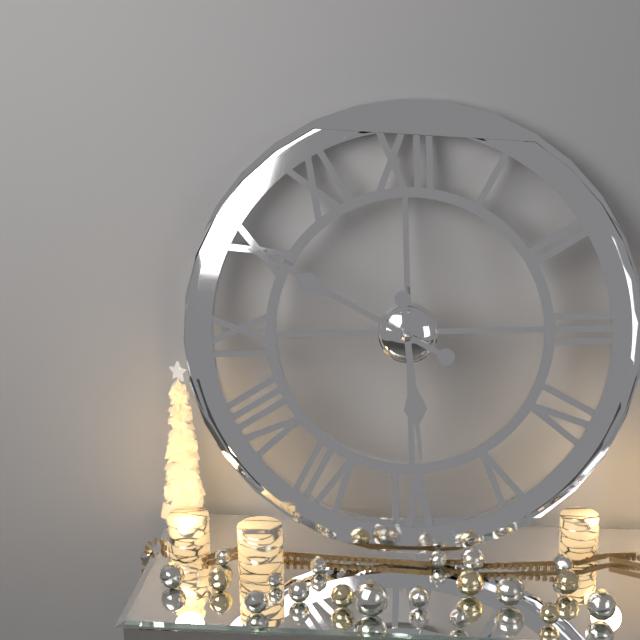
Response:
h=5 m=50
